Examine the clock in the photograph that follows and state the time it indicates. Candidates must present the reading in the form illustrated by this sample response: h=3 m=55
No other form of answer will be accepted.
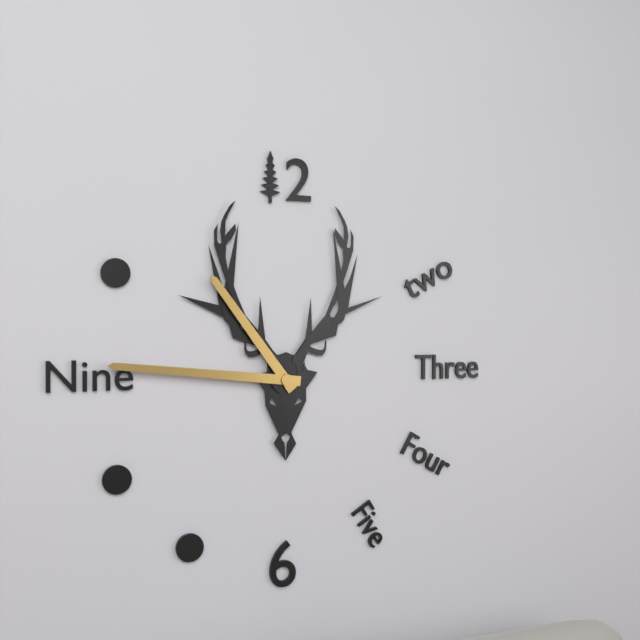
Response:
h=10 m=46
